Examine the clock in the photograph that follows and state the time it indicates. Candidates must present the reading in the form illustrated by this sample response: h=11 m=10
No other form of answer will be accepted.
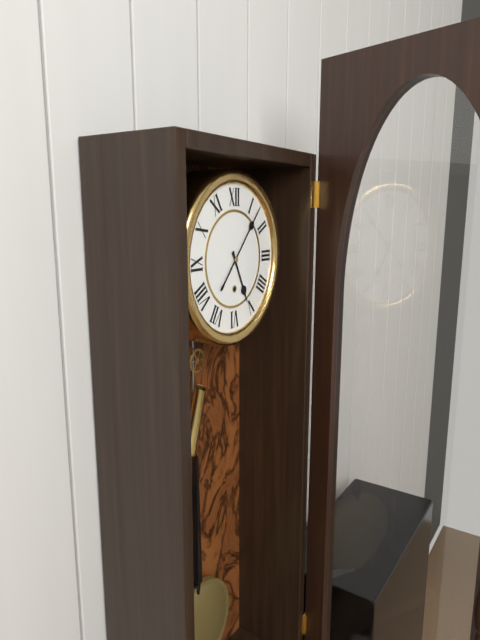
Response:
h=5 m=7
